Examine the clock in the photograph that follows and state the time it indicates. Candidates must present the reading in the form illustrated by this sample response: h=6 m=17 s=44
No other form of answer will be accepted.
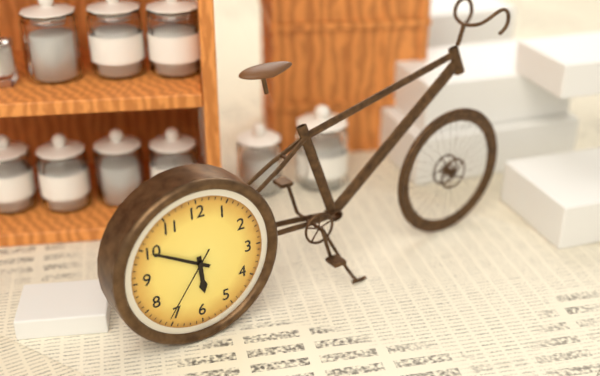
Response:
h=5 m=50 s=36
